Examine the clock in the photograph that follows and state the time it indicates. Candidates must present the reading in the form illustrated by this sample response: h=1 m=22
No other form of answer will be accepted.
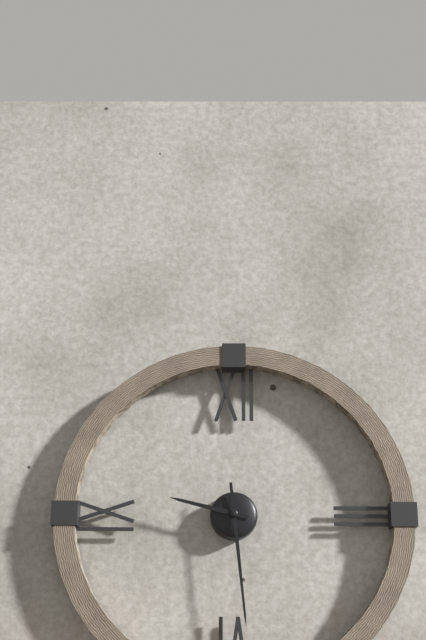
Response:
h=9 m=29
